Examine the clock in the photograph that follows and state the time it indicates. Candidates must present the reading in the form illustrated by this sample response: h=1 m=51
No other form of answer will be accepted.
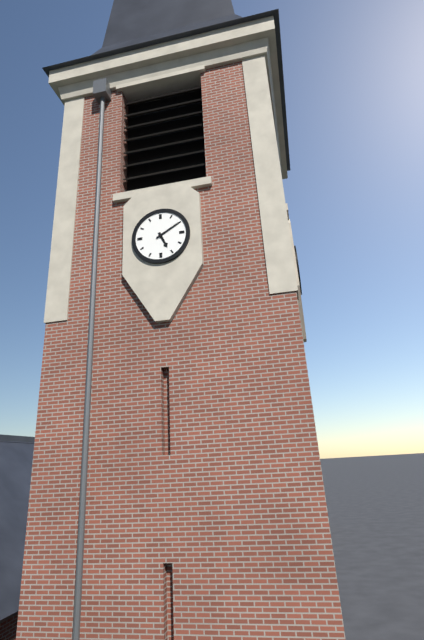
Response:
h=5 m=10
